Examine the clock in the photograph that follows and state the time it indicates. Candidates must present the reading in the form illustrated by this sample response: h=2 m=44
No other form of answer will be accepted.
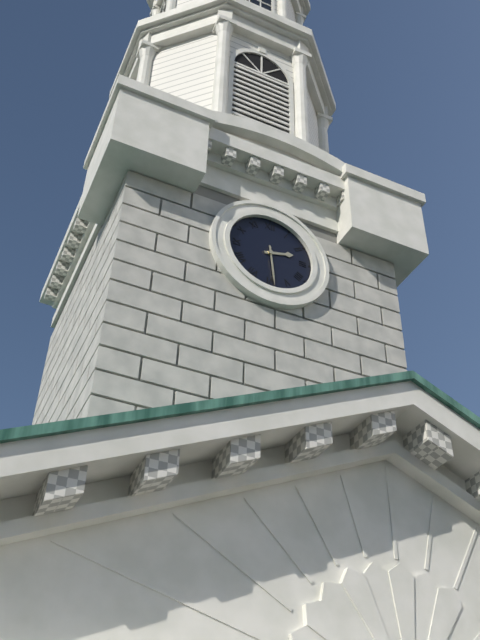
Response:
h=2 m=29
